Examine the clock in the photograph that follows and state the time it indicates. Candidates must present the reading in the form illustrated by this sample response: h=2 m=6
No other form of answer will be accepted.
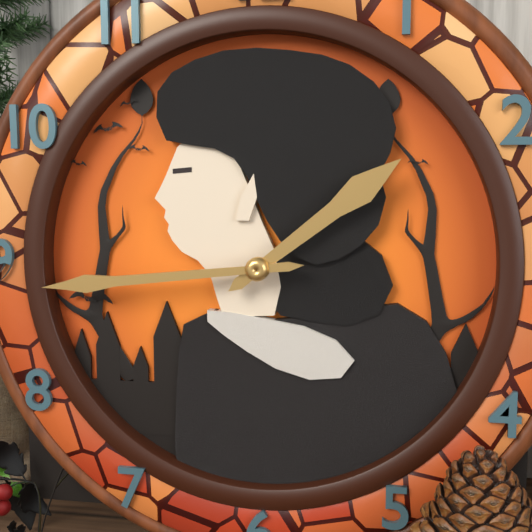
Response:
h=1 m=44
